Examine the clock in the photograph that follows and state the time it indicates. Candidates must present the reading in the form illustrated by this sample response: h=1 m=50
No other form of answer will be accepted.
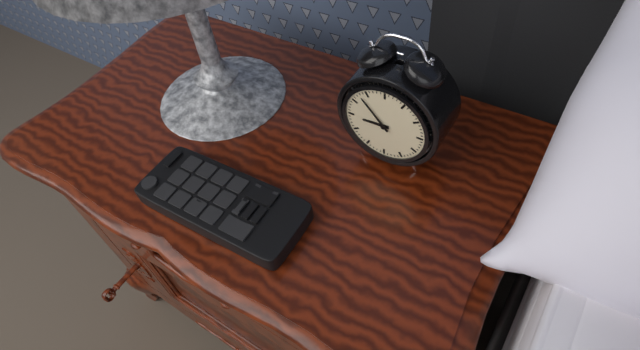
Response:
h=8 m=53
